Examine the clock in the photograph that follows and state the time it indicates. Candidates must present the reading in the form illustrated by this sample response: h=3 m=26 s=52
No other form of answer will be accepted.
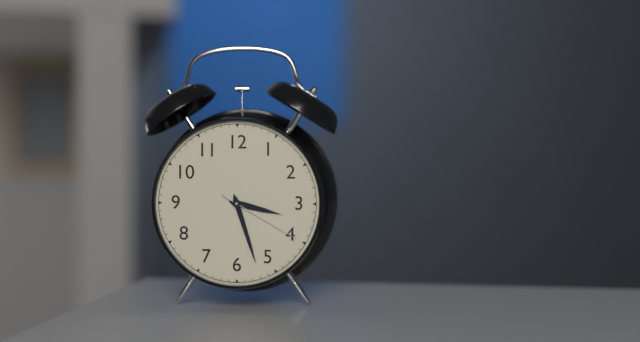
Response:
h=3 m=27 s=20
